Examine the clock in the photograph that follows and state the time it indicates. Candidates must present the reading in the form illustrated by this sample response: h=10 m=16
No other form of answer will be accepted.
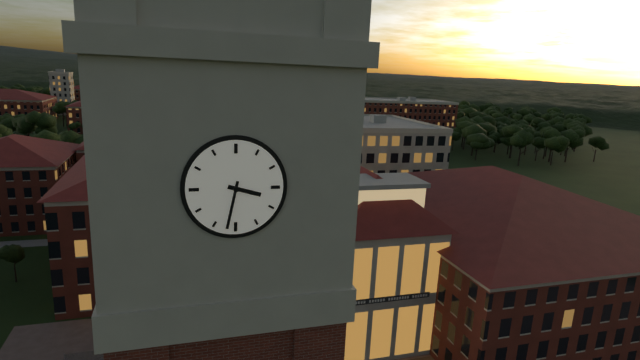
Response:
h=3 m=32
